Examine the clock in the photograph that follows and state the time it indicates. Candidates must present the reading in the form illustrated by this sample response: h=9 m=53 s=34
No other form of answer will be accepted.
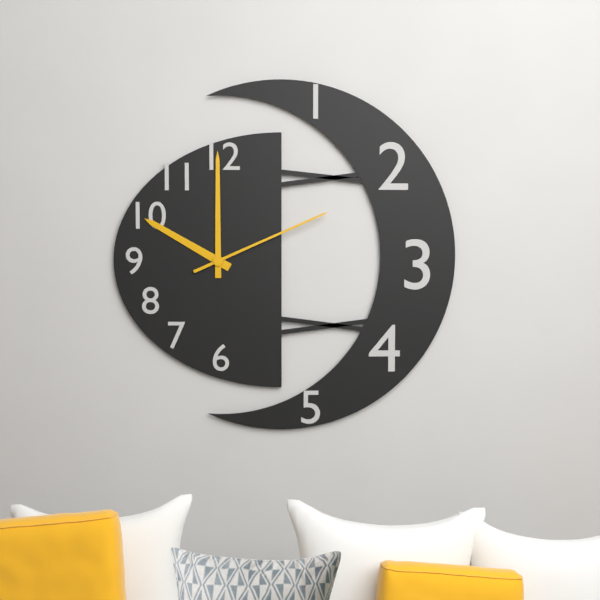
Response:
h=10 m=0 s=11
